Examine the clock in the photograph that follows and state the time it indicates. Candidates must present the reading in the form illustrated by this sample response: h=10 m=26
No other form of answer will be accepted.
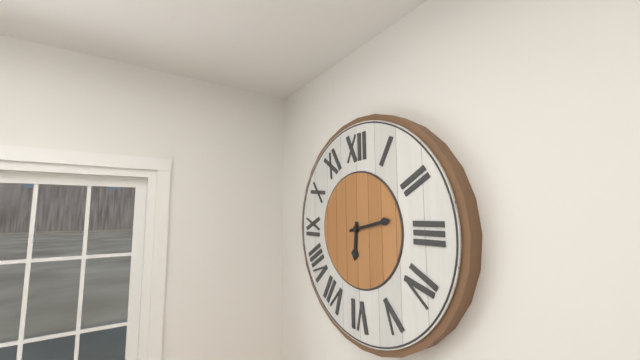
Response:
h=6 m=13
